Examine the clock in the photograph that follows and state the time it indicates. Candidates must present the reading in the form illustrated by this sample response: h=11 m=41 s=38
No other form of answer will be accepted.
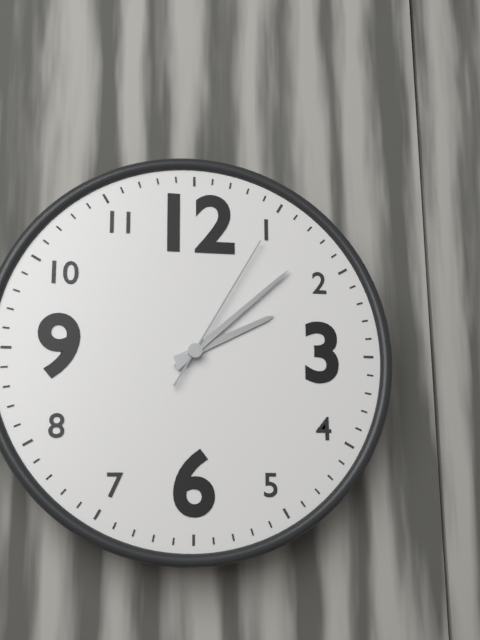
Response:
h=2 m=8 s=5
